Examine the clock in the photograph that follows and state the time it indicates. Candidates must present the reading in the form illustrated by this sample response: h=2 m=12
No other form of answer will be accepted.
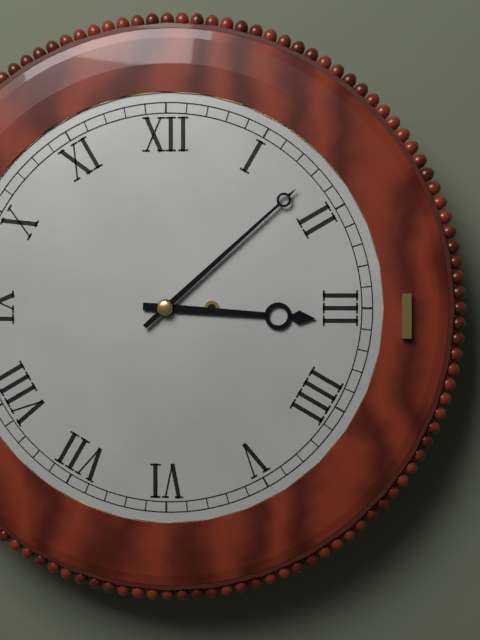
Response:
h=3 m=8
